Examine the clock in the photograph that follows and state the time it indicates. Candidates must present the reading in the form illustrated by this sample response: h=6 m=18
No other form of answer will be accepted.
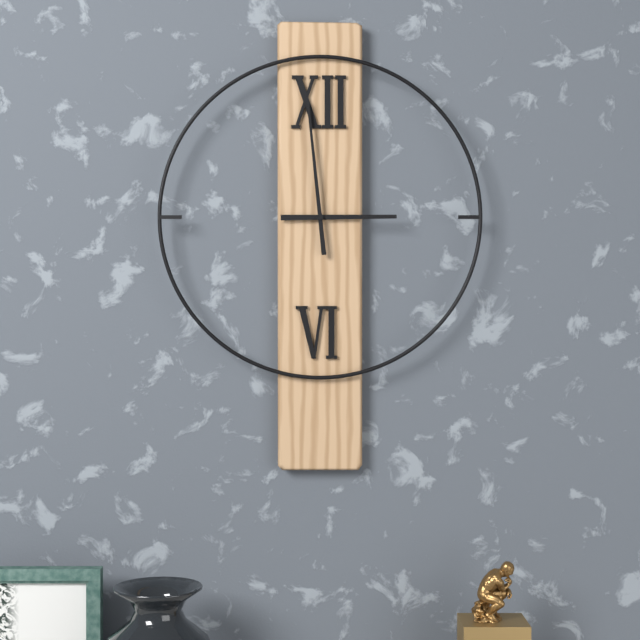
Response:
h=2 m=59
